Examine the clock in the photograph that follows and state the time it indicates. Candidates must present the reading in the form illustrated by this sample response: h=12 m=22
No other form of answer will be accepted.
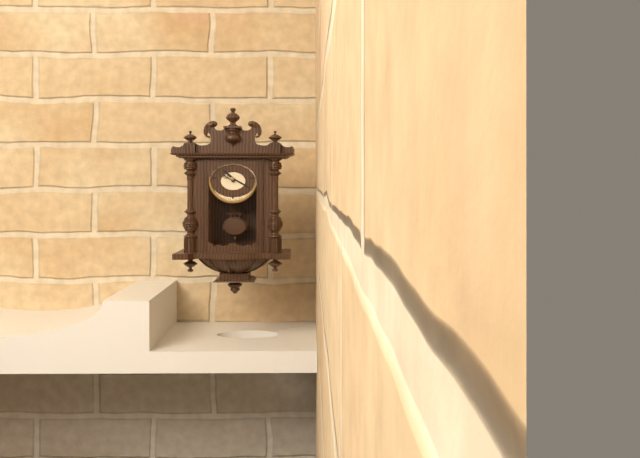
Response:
h=10 m=20
